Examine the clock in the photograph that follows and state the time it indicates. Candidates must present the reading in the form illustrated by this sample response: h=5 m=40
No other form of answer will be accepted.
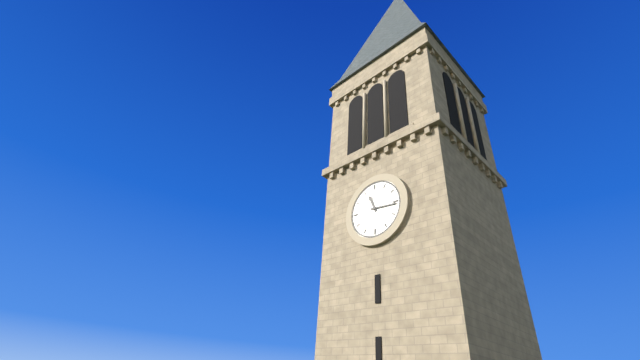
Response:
h=11 m=16
